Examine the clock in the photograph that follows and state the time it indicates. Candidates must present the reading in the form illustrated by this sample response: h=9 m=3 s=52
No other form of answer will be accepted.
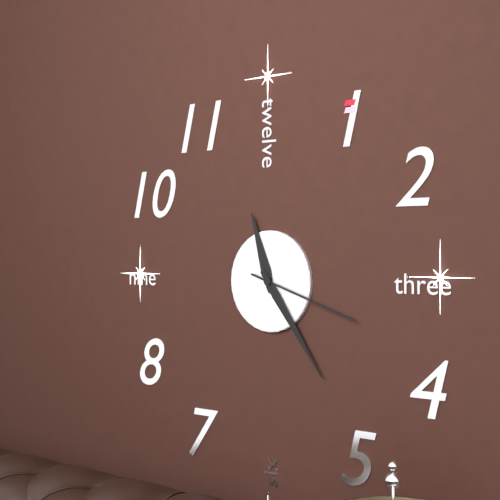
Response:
h=11 m=24 s=18
